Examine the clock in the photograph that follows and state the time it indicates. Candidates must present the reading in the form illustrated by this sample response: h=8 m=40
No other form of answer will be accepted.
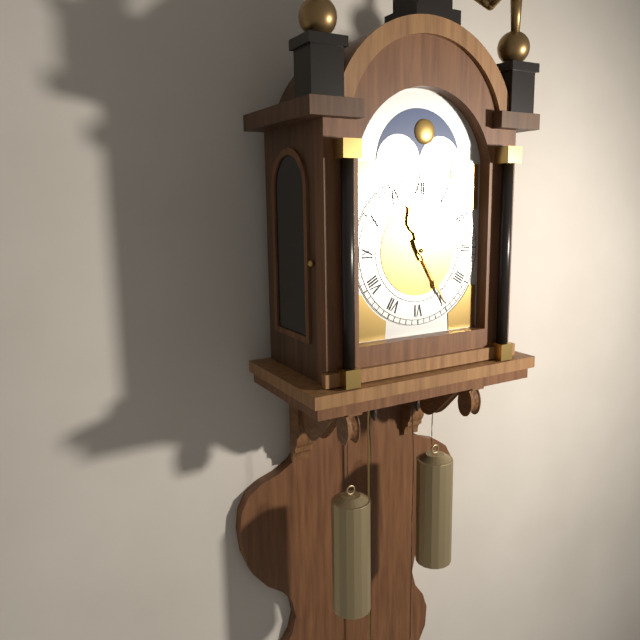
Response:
h=11 m=25
